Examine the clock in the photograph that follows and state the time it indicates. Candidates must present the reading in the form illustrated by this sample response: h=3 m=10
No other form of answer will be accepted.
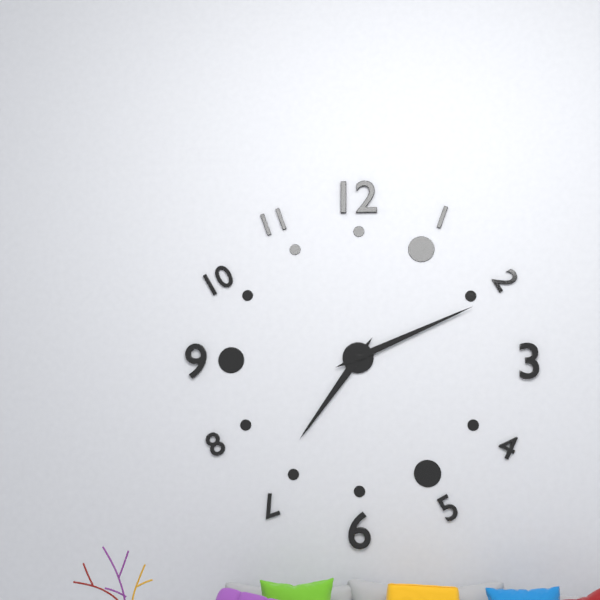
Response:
h=7 m=11
